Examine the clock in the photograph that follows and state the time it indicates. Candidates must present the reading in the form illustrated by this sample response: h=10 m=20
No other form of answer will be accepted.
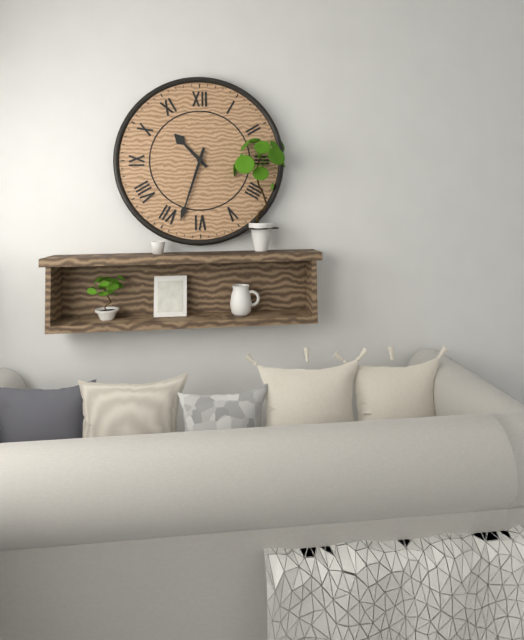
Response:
h=10 m=33
